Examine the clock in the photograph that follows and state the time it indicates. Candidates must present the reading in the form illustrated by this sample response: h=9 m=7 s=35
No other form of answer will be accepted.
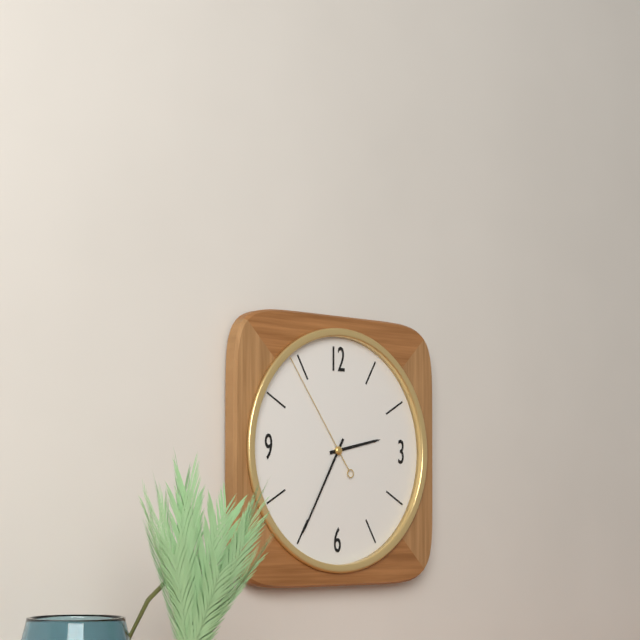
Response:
h=2 m=35 s=54
